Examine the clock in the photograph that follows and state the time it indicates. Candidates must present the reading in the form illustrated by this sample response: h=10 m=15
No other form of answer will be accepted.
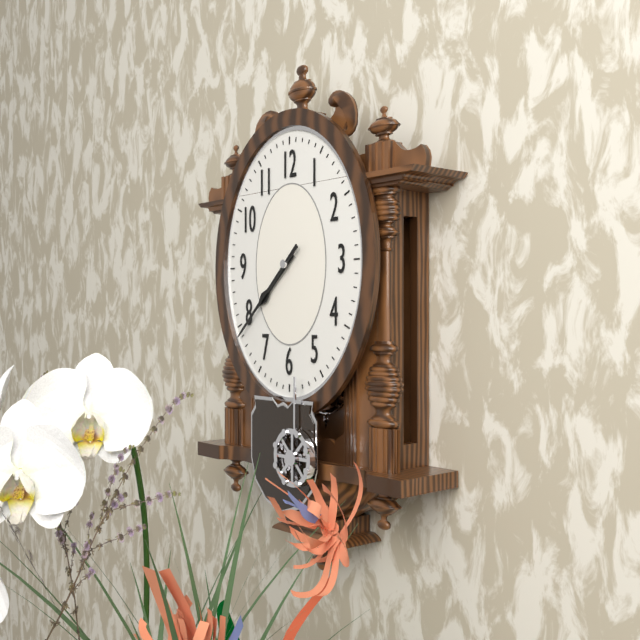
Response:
h=7 m=38
